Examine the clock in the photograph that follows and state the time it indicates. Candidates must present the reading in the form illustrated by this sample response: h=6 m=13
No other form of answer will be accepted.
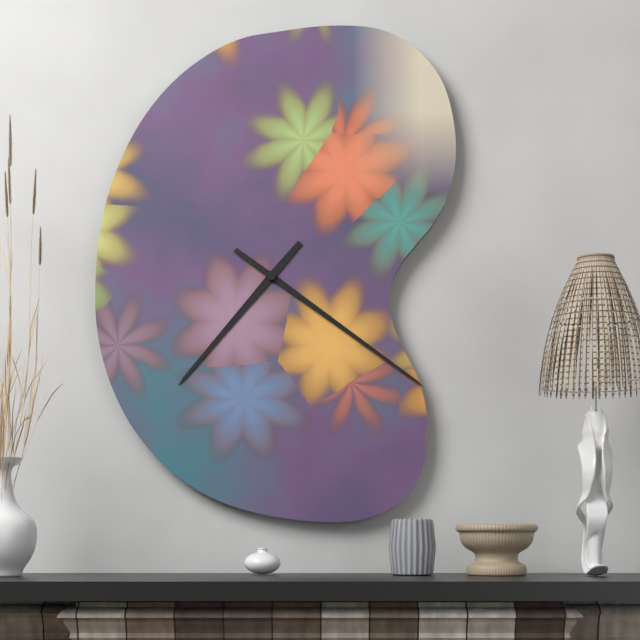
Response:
h=7 m=21
